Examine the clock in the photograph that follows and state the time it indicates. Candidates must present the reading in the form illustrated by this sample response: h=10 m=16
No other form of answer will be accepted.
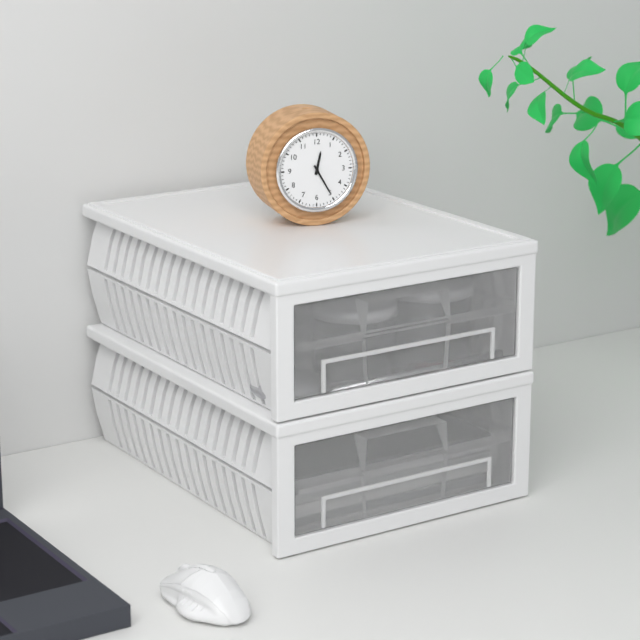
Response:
h=12 m=25
